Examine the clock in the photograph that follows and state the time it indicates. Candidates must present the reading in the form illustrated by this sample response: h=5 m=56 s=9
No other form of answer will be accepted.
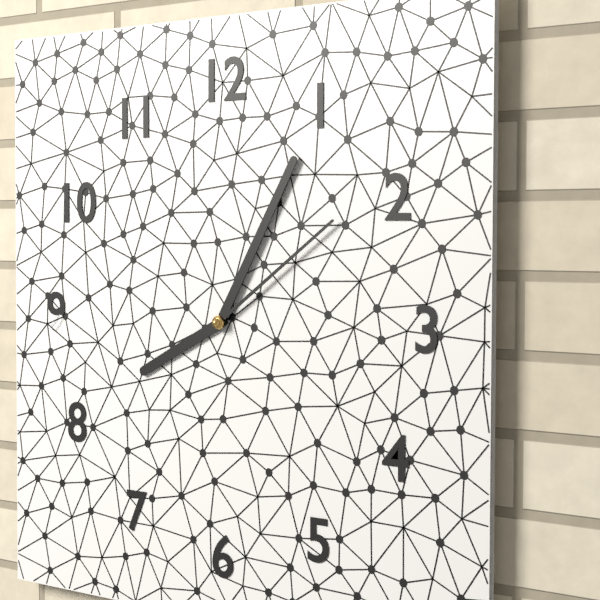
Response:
h=8 m=5 s=9
